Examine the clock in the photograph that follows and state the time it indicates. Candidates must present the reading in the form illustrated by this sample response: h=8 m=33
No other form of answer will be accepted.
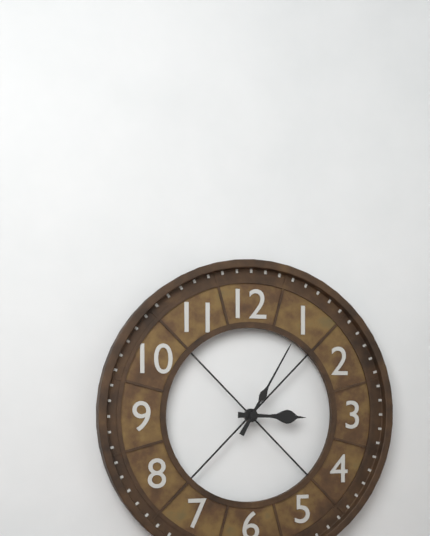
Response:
h=3 m=5
